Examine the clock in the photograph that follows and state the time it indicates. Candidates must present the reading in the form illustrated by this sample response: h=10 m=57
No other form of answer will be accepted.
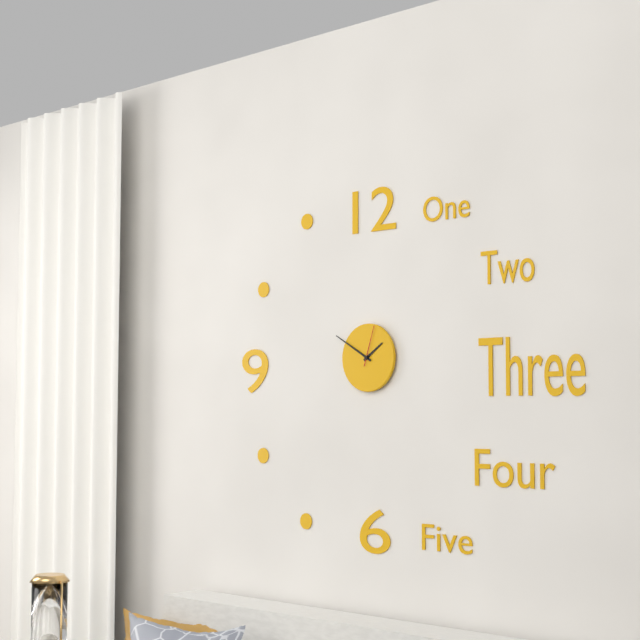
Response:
h=1 m=50
